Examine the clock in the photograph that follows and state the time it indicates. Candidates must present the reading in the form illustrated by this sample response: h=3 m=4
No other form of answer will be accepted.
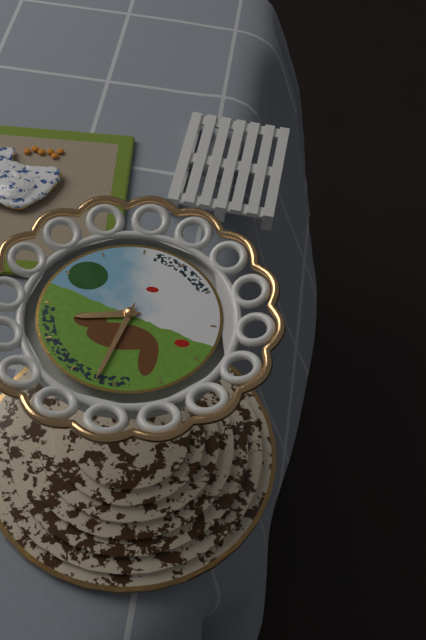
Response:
h=8 m=32
